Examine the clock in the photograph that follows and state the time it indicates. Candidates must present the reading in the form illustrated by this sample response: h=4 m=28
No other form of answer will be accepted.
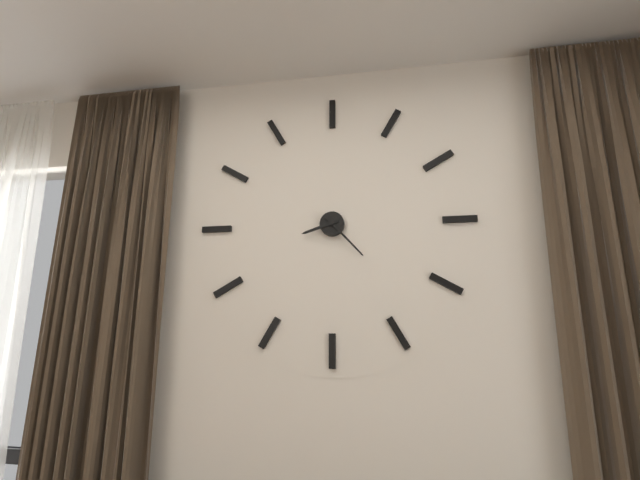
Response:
h=8 m=23
